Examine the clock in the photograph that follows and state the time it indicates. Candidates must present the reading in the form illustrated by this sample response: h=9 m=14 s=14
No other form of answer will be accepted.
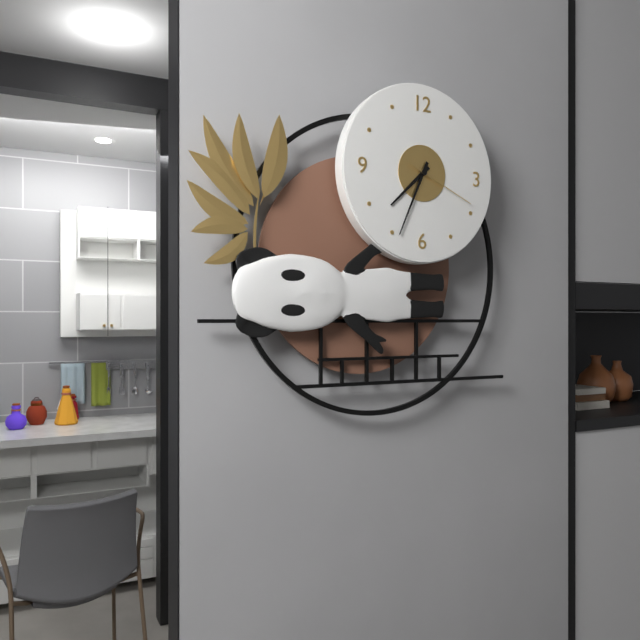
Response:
h=7 m=34 s=19
